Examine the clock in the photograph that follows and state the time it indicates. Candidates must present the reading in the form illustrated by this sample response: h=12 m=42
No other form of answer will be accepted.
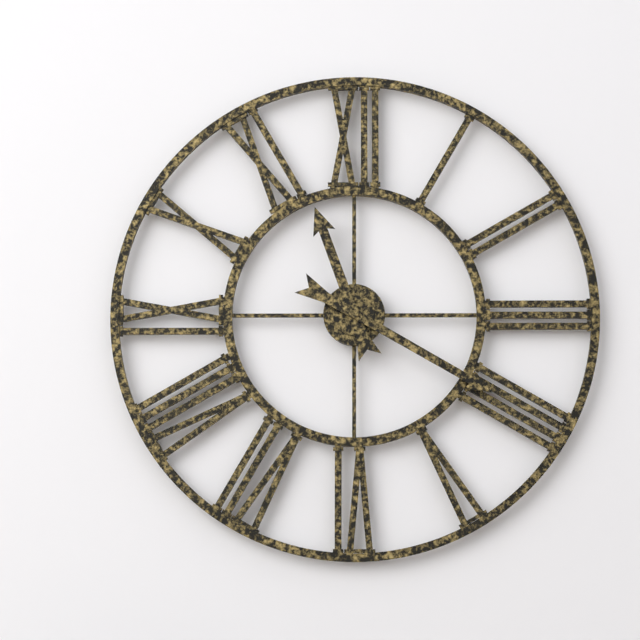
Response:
h=11 m=20
